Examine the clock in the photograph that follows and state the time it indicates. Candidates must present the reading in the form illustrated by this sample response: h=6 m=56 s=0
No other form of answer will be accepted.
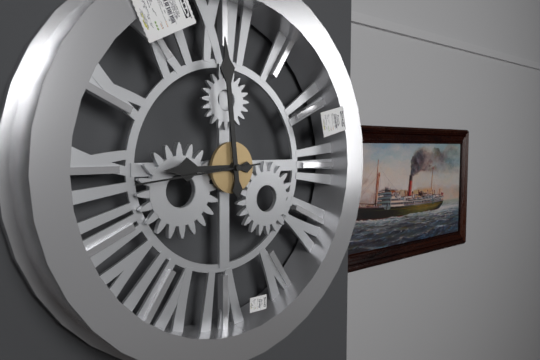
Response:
h=8 m=59 s=44
